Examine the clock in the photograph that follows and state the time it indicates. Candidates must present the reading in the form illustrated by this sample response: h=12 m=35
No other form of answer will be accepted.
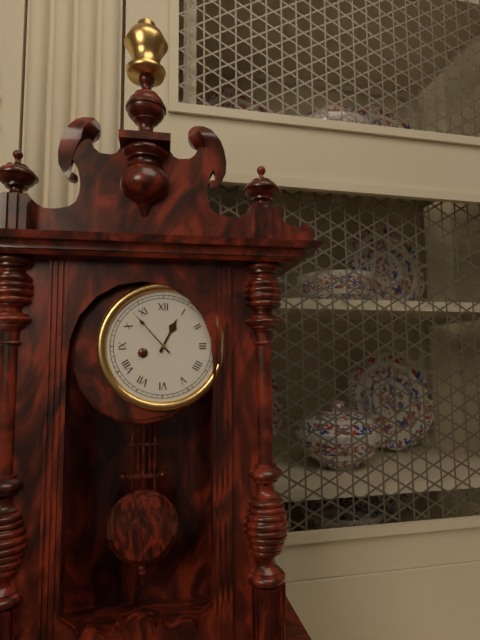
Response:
h=12 m=53
